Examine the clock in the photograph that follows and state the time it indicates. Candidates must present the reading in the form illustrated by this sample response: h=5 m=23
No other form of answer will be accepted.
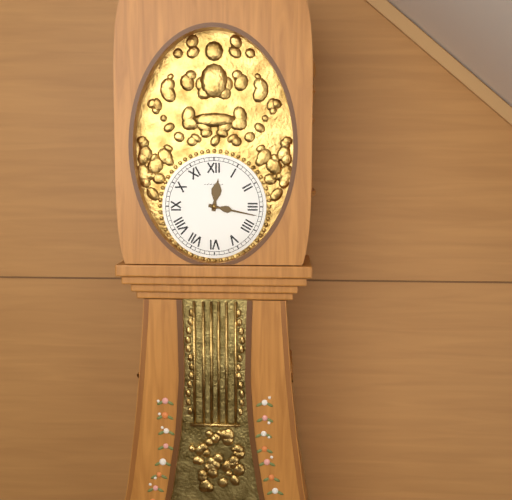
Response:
h=12 m=17
